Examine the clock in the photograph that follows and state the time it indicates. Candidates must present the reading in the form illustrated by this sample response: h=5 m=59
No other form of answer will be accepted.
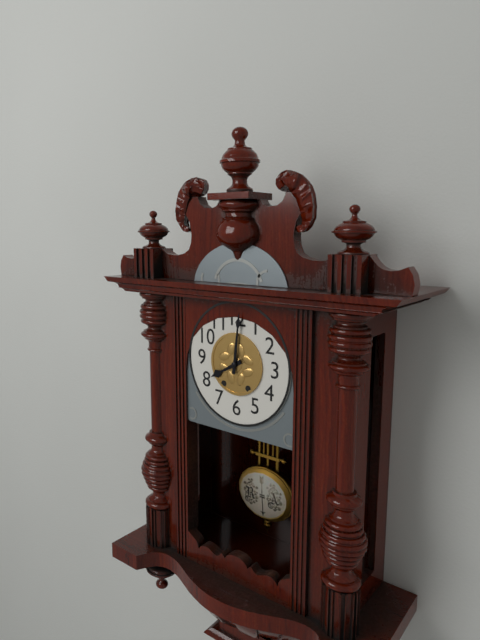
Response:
h=8 m=1
